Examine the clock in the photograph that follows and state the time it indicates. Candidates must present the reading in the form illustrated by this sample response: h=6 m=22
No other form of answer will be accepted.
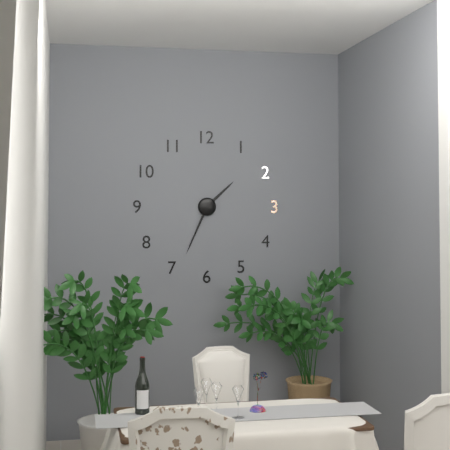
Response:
h=1 m=34
